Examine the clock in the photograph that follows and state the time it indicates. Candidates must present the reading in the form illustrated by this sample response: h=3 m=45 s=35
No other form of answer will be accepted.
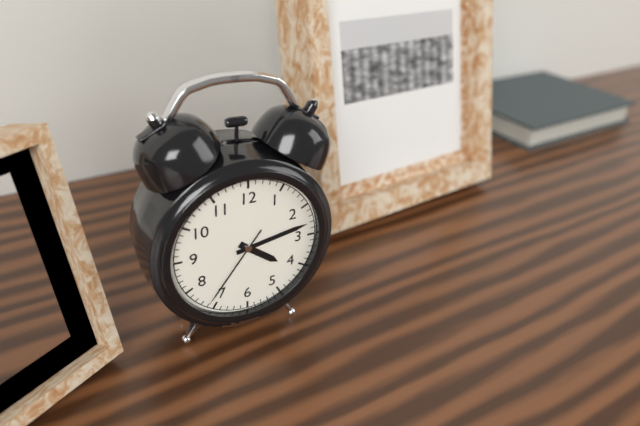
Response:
h=4 m=13 s=36
